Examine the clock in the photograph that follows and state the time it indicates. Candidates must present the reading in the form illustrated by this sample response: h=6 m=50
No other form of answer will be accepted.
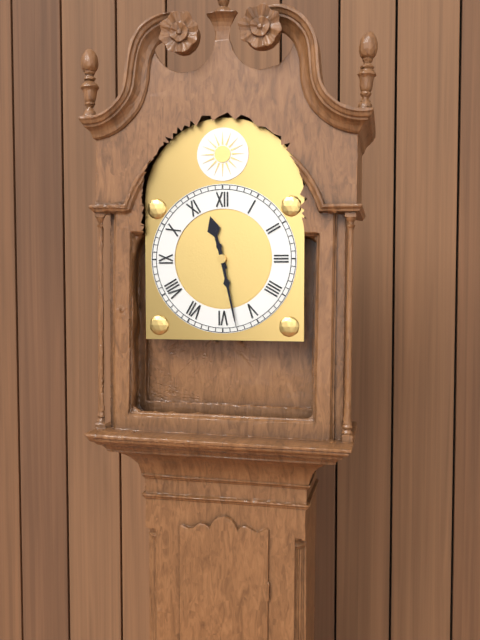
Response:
h=11 m=28
